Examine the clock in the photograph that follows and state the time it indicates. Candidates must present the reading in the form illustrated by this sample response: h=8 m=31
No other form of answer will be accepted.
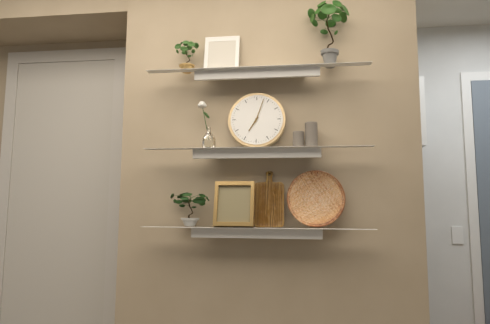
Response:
h=7 m=3
